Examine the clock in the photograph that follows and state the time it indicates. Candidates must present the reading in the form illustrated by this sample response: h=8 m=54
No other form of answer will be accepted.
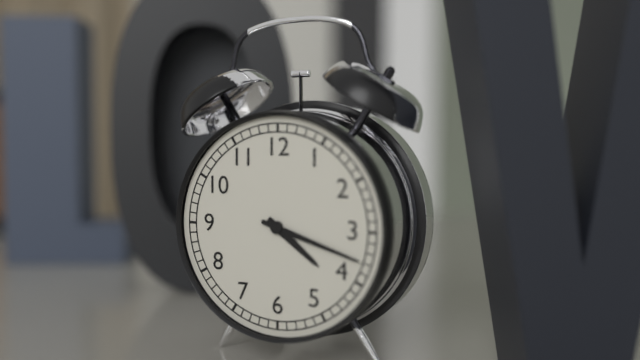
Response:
h=4 m=18
